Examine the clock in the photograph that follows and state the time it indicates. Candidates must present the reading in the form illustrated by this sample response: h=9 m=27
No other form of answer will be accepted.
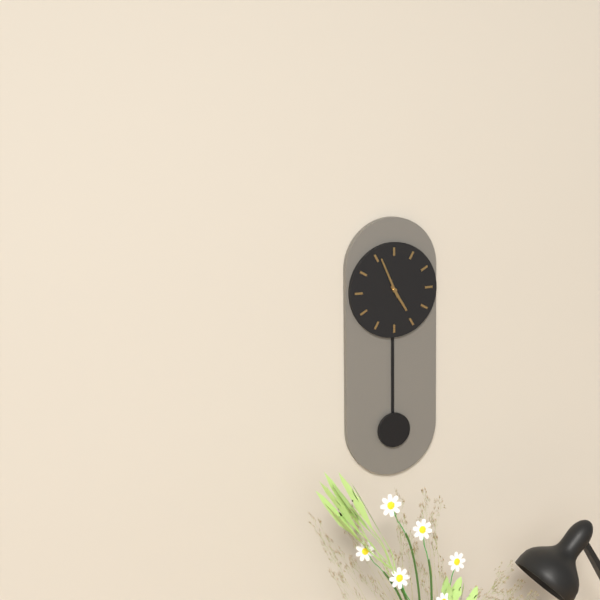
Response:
h=4 m=56
